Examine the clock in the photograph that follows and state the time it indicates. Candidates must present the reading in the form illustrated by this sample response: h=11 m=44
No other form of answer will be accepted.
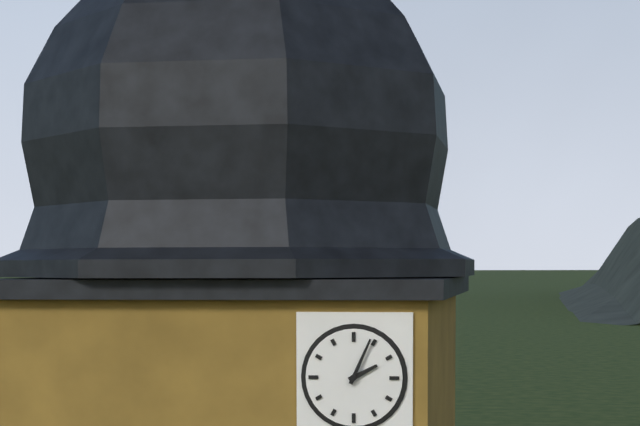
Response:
h=2 m=4
